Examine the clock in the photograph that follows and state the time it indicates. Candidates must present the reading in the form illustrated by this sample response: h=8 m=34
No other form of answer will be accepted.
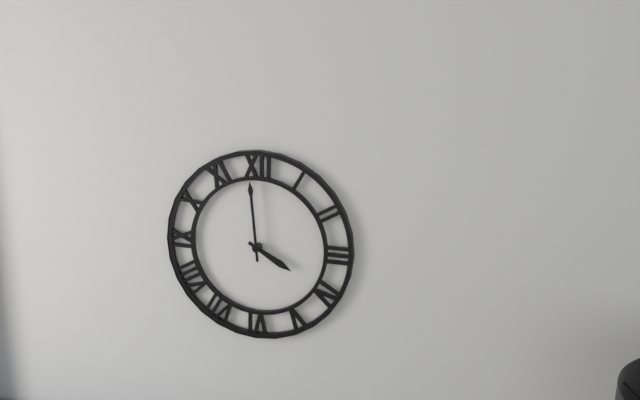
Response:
h=3 m=59
